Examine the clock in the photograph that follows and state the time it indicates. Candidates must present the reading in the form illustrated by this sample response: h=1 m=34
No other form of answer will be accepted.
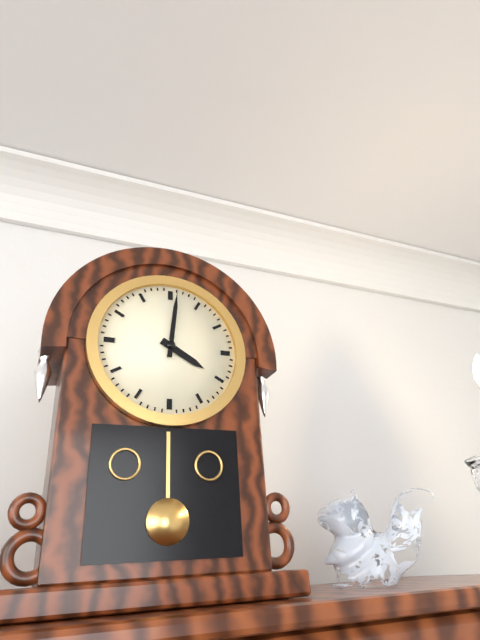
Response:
h=4 m=1
